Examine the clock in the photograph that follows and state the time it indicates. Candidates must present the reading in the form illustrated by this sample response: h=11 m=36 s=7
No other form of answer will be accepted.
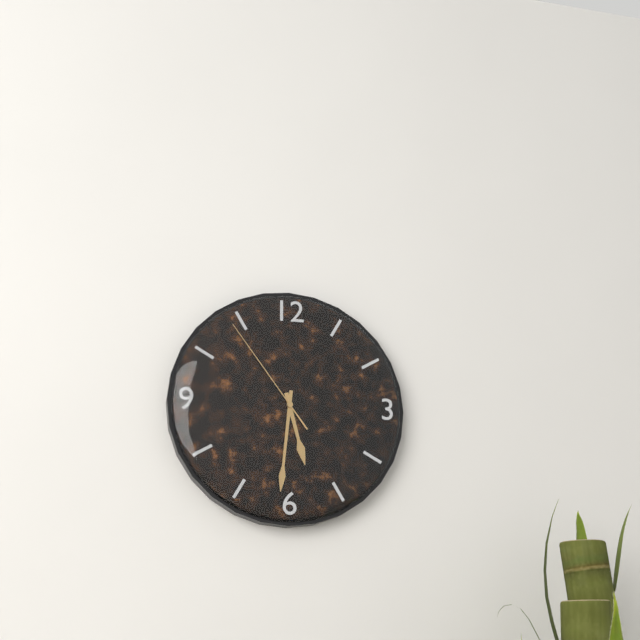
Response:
h=5 m=31 s=54
